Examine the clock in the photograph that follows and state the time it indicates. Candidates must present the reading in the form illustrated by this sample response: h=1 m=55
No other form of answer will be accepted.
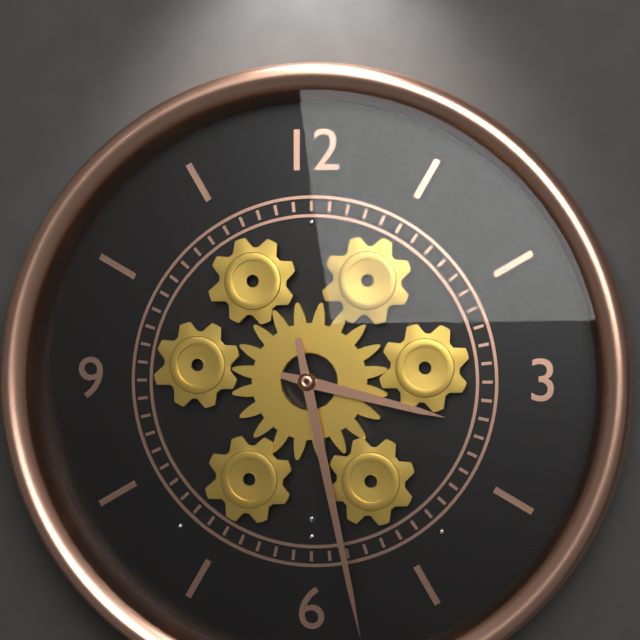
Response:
h=3 m=28
